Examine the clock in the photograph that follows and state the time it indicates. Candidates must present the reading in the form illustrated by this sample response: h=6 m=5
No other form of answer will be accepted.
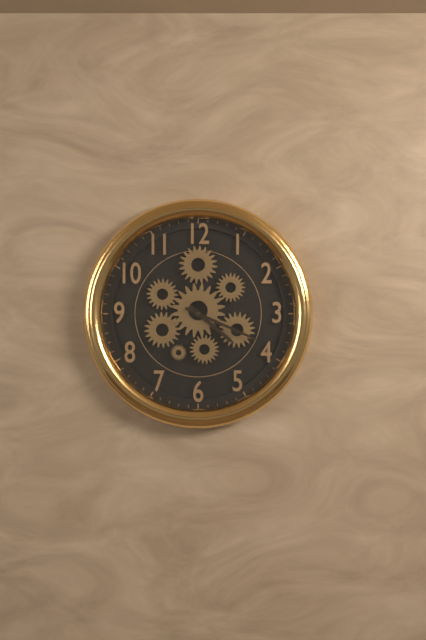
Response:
h=4 m=19
